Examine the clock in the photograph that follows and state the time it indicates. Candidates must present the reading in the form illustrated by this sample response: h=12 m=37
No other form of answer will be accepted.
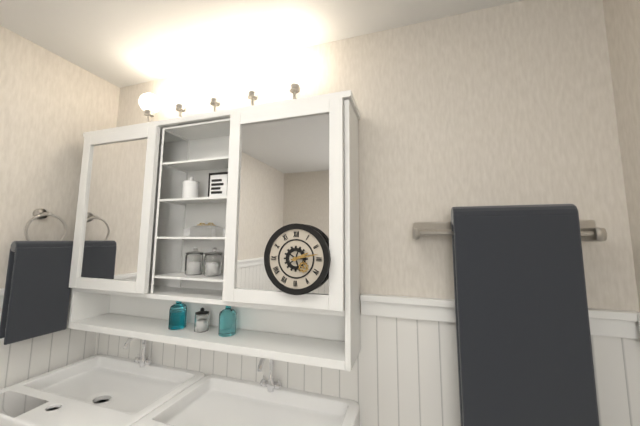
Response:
h=2 m=13
